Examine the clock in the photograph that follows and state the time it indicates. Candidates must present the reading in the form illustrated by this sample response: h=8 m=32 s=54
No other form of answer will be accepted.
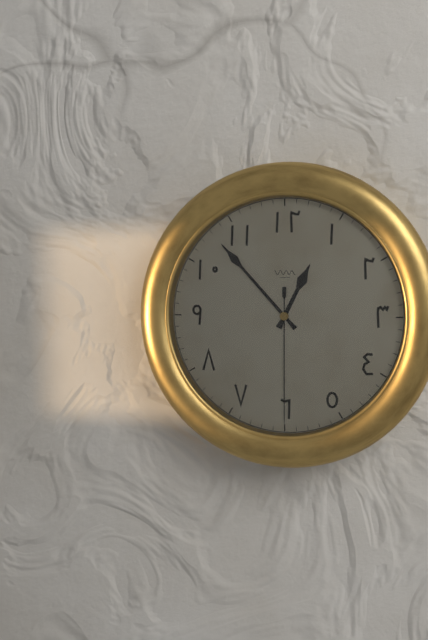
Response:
h=12 m=53 s=30
